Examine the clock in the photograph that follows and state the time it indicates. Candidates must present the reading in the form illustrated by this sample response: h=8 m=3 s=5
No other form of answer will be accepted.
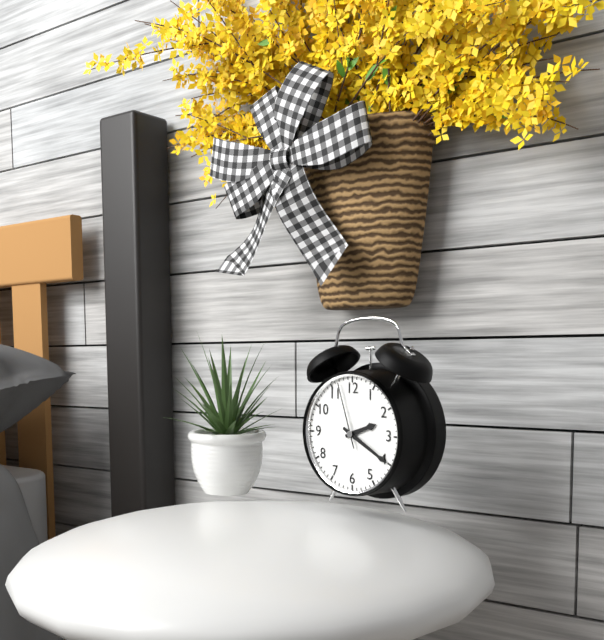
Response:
h=2 m=20 s=57
